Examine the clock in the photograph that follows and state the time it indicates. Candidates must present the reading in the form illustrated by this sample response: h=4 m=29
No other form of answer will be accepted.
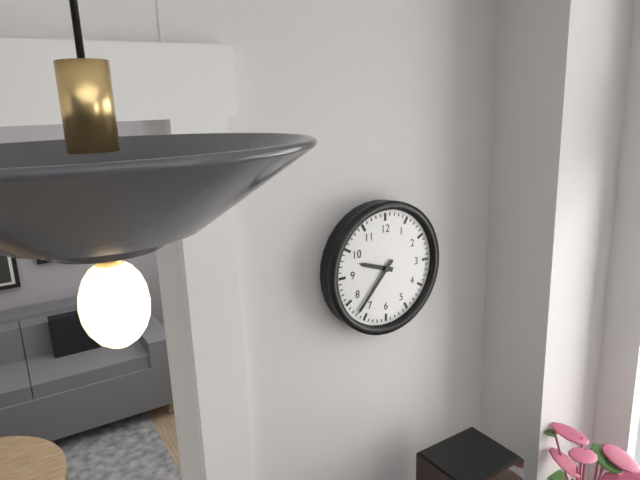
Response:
h=9 m=37
